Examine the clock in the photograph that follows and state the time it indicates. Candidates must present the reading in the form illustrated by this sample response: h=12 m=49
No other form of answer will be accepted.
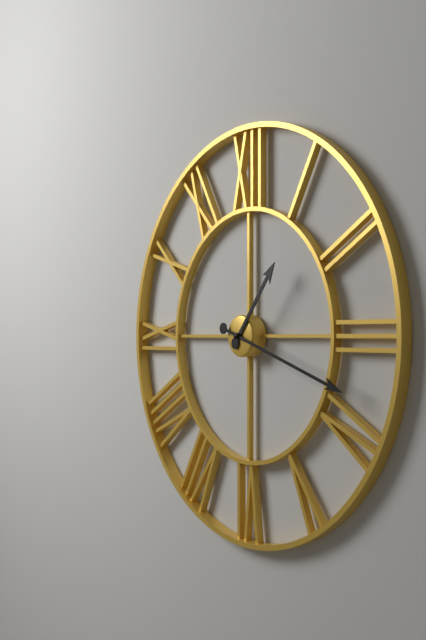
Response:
h=1 m=18
